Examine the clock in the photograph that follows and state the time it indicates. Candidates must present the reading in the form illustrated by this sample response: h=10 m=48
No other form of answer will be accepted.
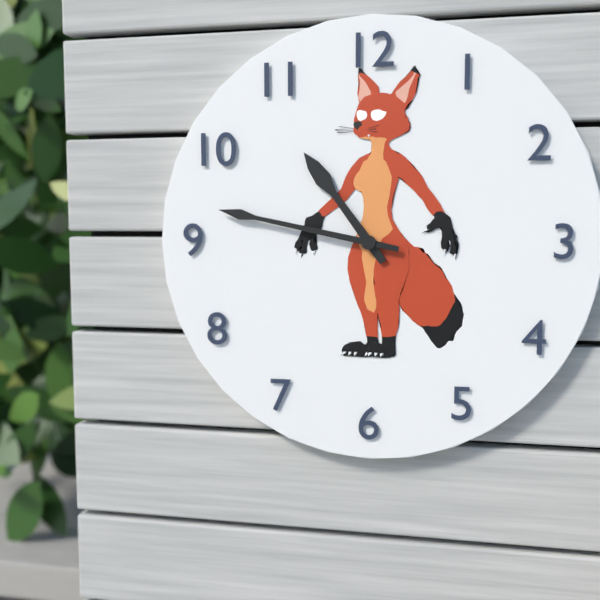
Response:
h=10 m=47
